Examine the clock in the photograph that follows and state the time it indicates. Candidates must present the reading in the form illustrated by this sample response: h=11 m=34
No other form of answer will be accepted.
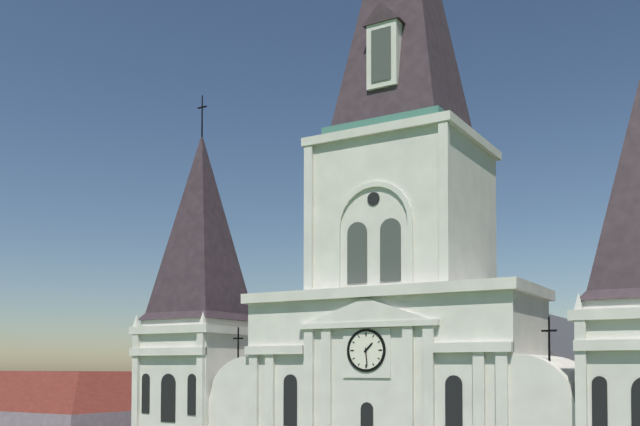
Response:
h=1 m=29
